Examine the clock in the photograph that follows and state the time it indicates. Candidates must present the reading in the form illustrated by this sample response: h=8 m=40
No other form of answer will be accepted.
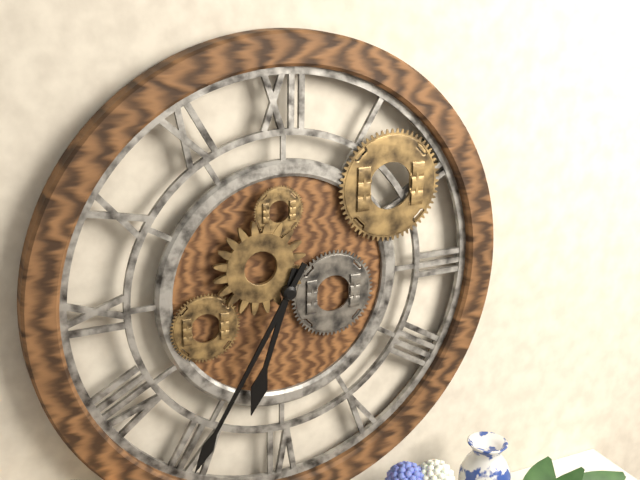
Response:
h=6 m=35
